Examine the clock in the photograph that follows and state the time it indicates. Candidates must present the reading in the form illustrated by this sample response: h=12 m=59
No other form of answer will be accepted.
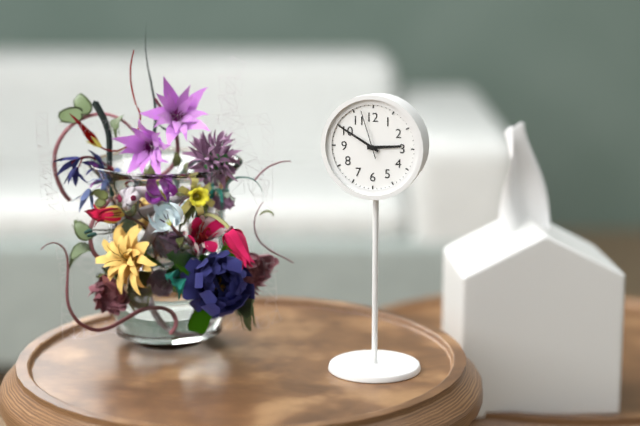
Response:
h=2 m=50
